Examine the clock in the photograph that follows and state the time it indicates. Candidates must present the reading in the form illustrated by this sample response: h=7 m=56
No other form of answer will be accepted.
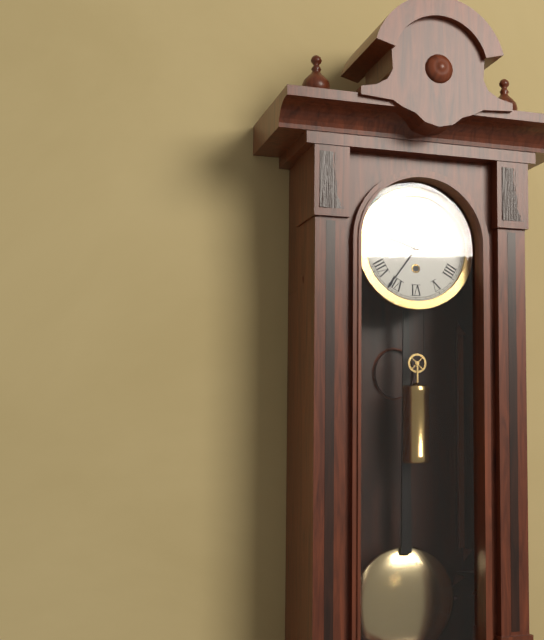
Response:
h=9 m=36
